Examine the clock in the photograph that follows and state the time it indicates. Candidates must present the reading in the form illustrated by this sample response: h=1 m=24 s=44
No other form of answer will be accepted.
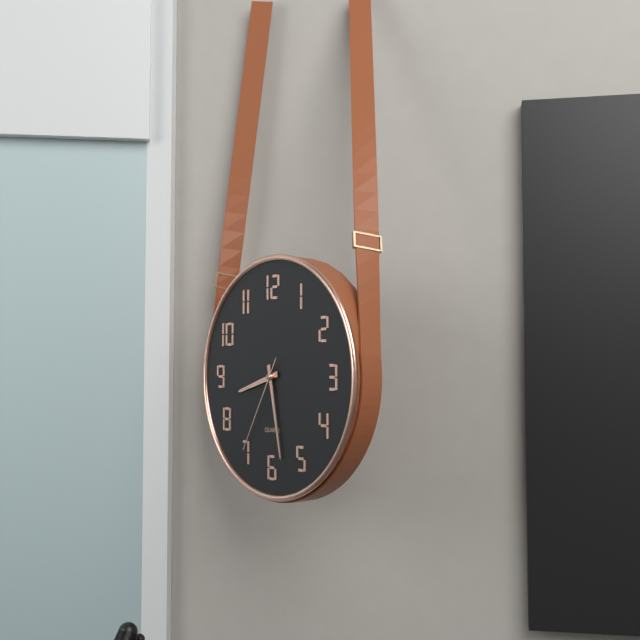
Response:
h=8 m=28 s=35
